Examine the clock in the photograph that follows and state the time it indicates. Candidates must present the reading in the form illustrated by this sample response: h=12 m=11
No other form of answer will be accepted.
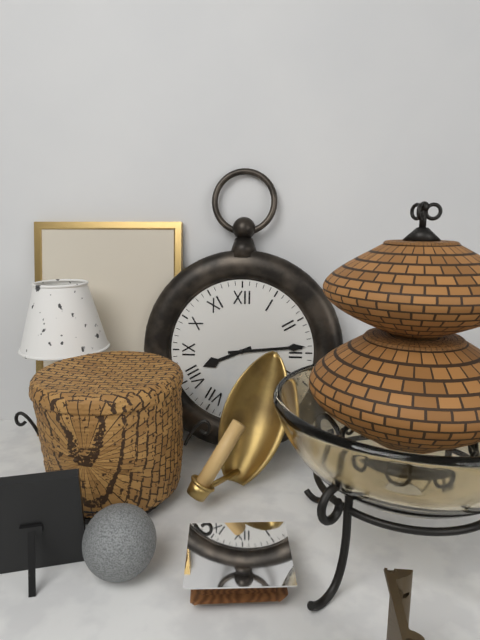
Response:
h=8 m=14
